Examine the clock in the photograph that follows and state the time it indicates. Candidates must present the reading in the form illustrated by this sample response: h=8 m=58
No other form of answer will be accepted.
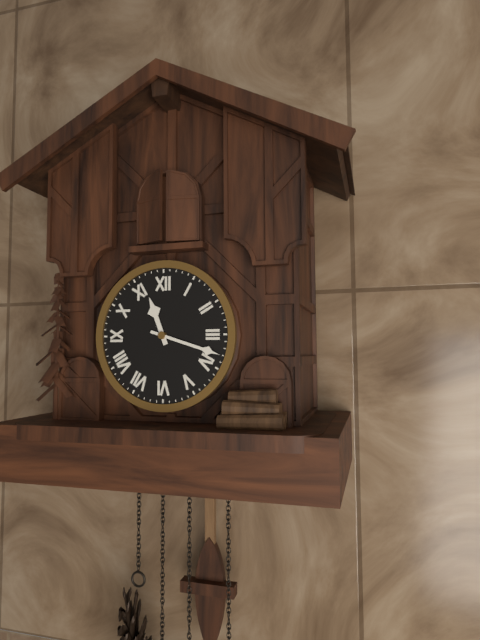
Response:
h=11 m=18
